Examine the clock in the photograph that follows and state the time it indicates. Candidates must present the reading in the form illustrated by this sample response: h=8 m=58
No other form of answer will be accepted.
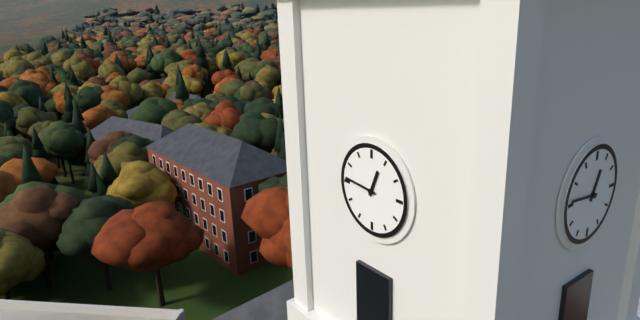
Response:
h=12 m=46
